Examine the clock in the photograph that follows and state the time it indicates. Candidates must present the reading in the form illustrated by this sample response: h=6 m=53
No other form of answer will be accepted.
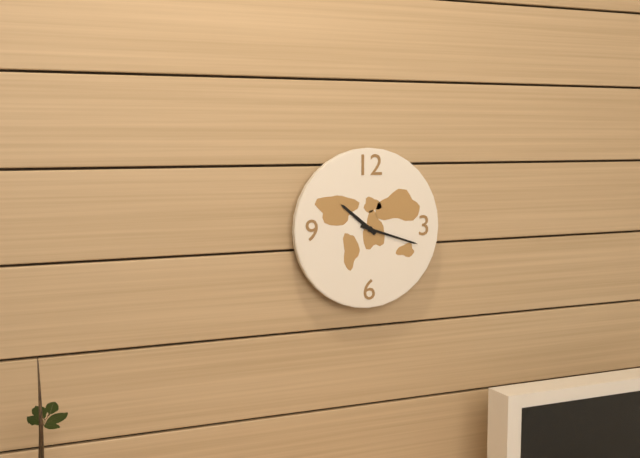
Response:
h=10 m=18
